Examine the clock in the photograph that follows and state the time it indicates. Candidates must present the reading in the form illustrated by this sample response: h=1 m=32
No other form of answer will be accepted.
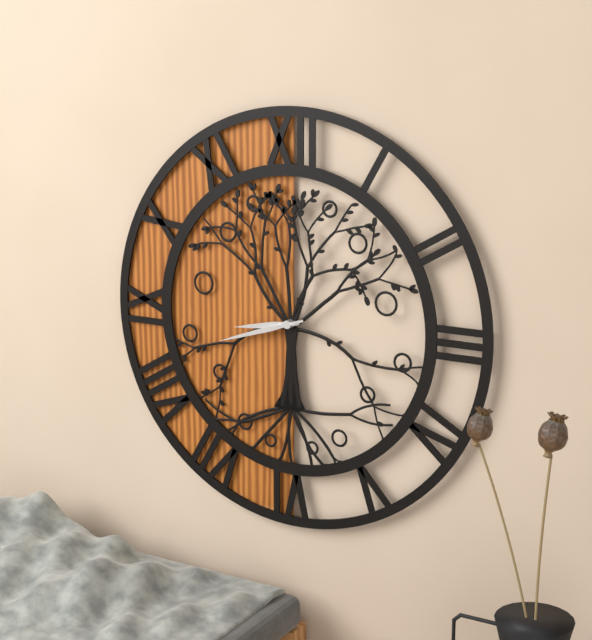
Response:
h=8 m=42
